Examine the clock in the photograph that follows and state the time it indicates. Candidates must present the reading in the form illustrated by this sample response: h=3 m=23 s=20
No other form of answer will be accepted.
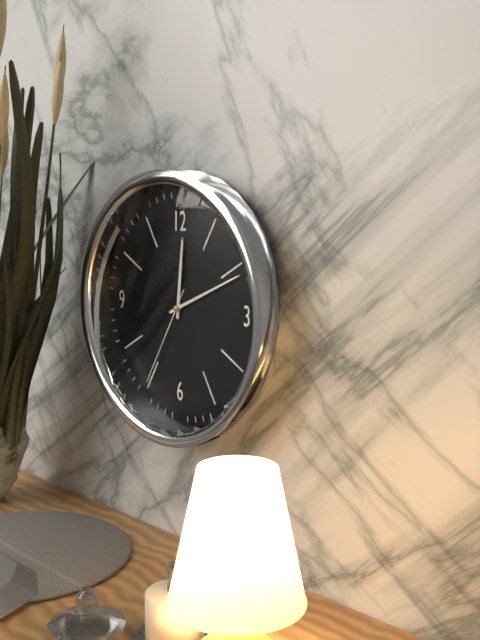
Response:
h=12 m=11 s=35
